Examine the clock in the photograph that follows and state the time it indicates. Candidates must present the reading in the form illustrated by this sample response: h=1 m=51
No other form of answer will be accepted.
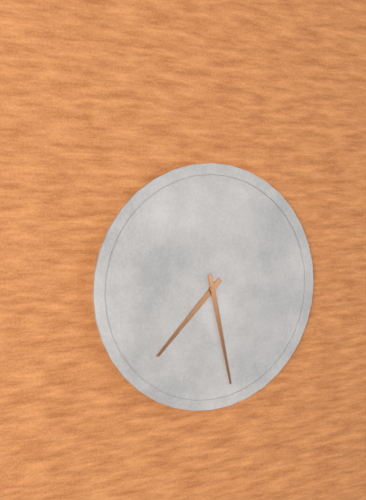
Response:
h=7 m=28
